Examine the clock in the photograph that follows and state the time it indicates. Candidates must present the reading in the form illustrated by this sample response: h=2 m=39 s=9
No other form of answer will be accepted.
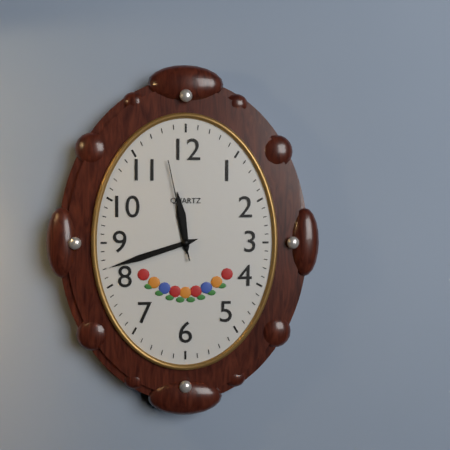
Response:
h=11 m=42 s=58
